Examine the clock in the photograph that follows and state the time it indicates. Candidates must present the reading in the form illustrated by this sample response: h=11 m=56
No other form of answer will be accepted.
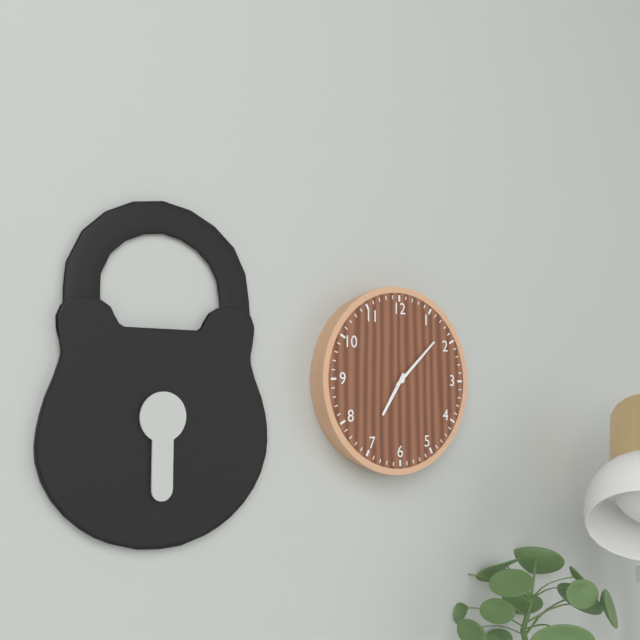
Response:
h=7 m=8
